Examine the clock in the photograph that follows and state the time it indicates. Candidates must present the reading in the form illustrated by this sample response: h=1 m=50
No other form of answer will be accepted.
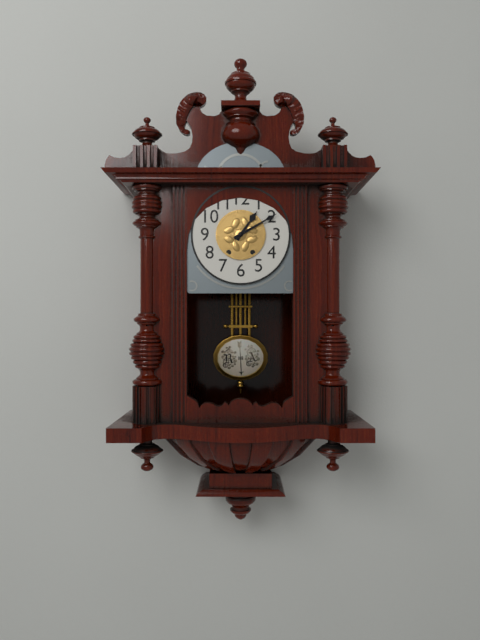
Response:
h=1 m=10
